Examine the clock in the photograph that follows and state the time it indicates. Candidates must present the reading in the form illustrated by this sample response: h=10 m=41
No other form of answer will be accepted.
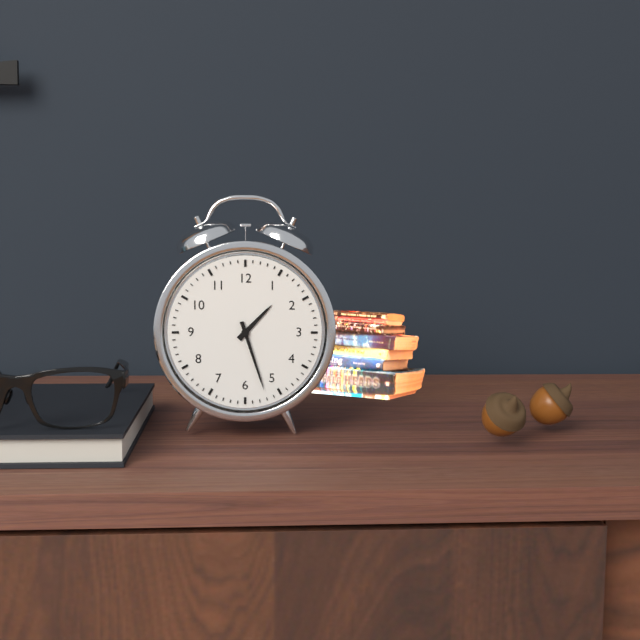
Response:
h=1 m=27
